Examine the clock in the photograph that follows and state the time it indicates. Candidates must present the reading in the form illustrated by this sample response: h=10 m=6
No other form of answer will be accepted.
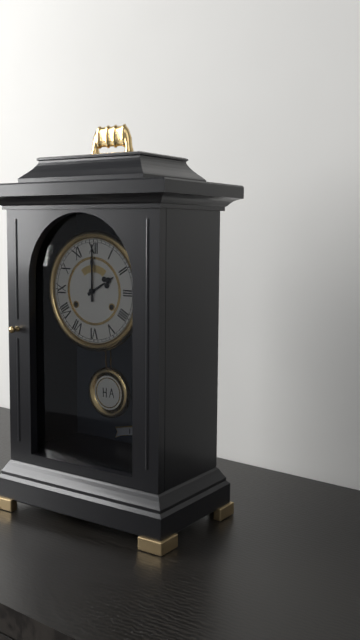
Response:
h=2 m=0
